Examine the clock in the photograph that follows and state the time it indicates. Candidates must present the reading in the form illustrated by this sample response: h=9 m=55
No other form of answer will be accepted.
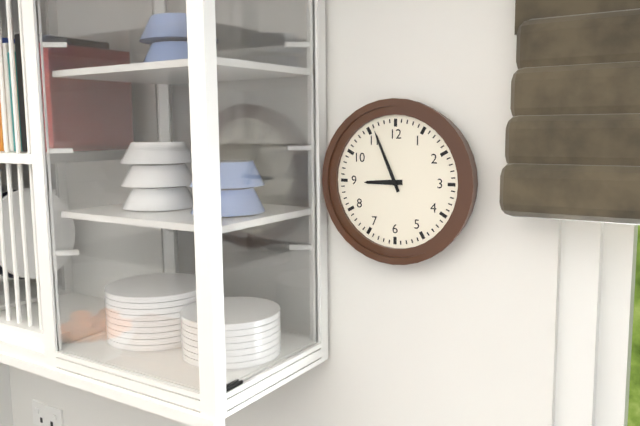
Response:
h=8 m=56
